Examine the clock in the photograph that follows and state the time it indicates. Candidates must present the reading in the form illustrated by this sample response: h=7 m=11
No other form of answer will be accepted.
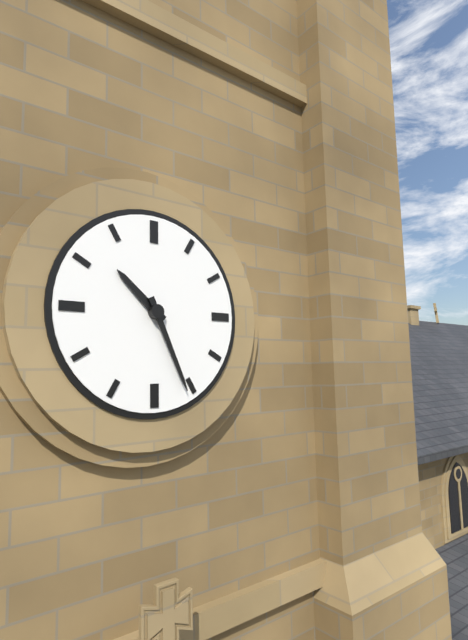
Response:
h=10 m=26
